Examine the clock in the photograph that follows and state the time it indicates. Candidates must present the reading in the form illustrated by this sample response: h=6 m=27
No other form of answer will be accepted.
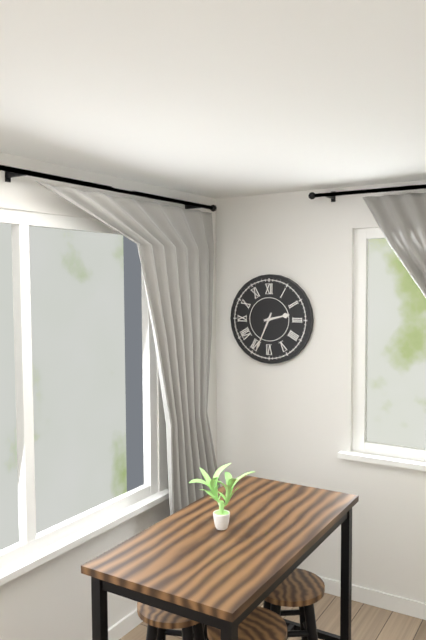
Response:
h=2 m=34
